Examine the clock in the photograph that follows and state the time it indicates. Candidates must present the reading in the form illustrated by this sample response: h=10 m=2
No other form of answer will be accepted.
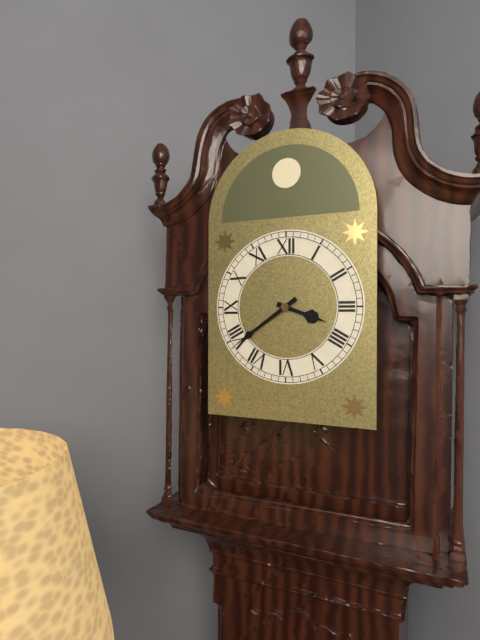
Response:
h=3 m=39
